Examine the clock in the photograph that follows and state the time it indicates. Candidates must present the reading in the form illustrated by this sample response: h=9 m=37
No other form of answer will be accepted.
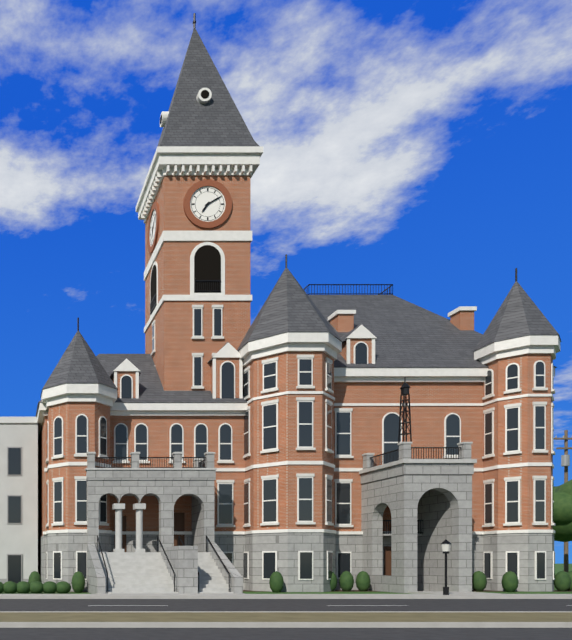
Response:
h=7 m=10
